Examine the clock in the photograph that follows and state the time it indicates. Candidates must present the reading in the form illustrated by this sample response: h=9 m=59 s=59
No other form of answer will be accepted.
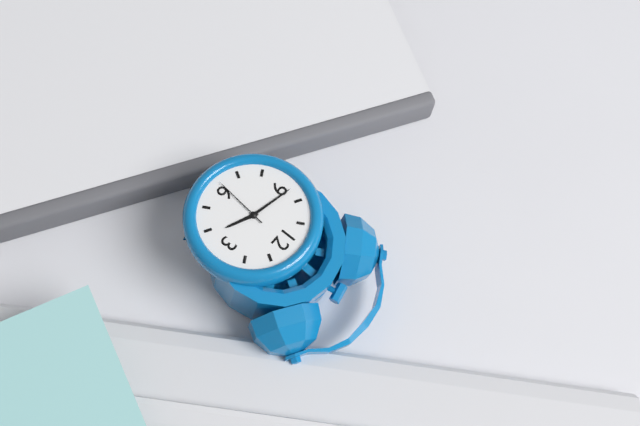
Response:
h=3 m=47 s=31
